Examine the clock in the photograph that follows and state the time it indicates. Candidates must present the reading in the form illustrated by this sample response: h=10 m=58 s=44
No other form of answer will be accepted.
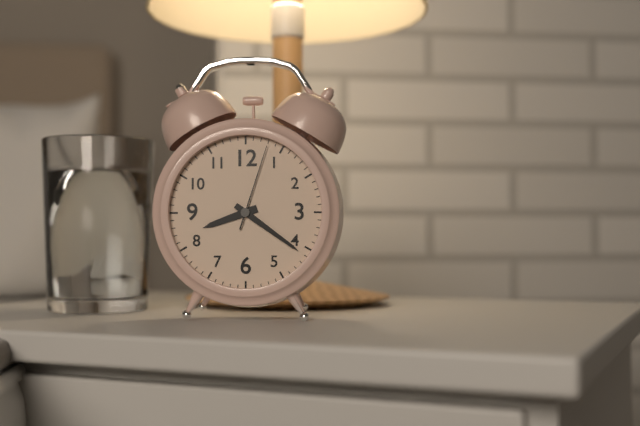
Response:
h=8 m=21 s=3
